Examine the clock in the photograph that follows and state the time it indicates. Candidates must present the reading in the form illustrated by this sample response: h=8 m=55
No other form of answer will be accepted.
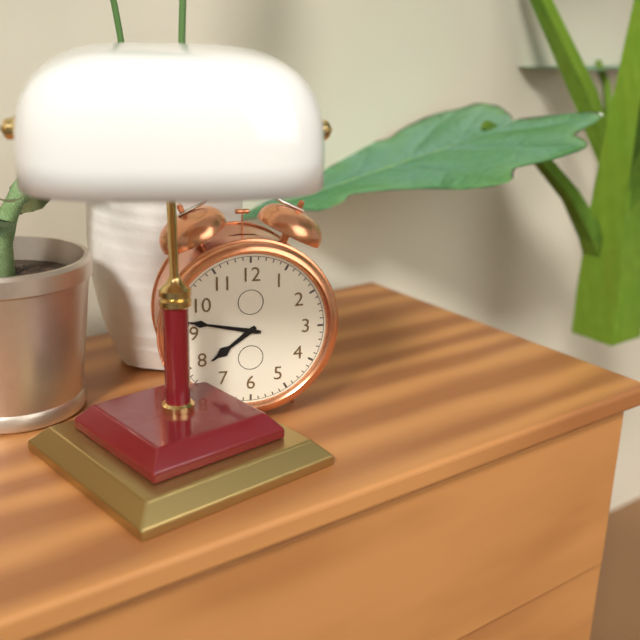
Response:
h=7 m=47
